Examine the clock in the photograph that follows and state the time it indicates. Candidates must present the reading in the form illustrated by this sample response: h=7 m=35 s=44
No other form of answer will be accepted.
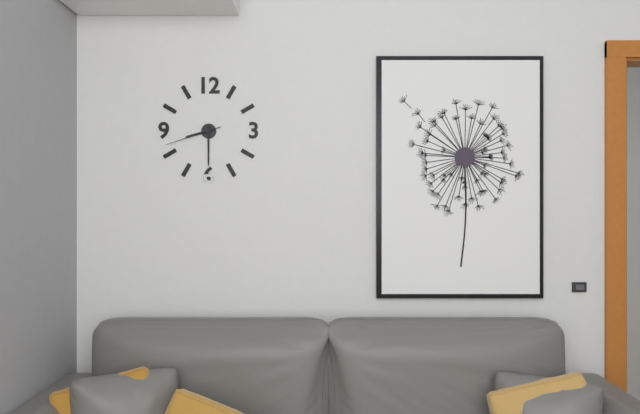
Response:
h=8 m=30 s=42
